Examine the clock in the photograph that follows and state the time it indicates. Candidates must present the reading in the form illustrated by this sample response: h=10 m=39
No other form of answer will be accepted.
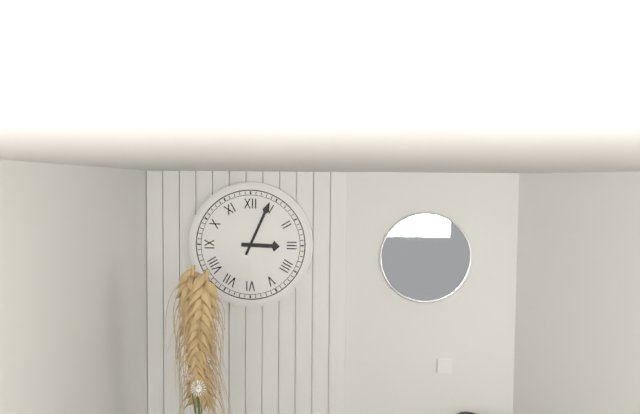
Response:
h=3 m=4
